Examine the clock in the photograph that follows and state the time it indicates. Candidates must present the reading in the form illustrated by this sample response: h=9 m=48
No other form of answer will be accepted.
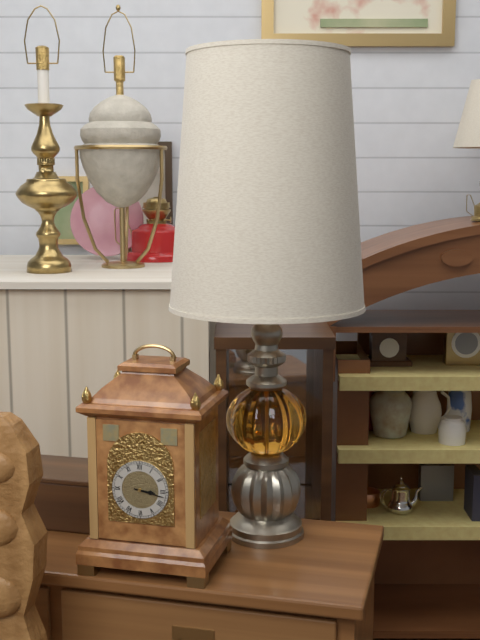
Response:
h=3 m=17
